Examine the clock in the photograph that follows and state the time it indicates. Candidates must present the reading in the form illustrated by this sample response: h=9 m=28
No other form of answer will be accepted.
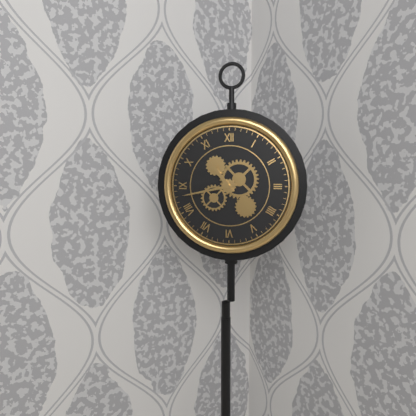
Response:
h=10 m=43
